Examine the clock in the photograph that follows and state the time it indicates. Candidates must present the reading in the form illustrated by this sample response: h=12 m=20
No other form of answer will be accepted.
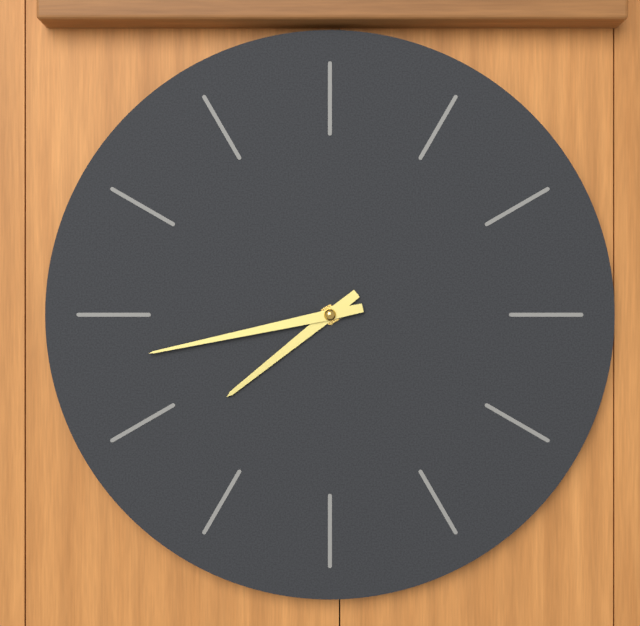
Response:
h=7 m=43
